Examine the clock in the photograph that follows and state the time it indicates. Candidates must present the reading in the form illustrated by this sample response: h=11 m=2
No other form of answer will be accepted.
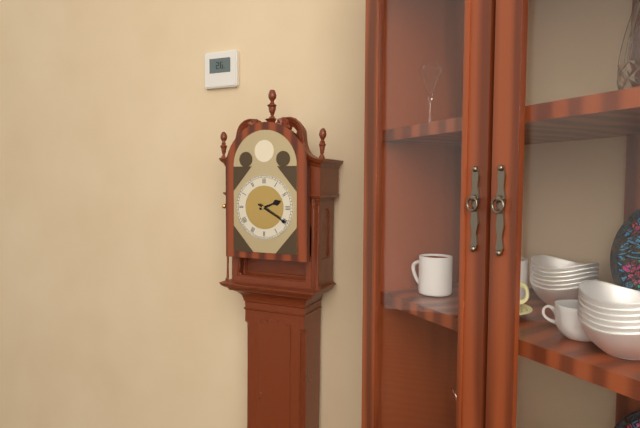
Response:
h=2 m=20
